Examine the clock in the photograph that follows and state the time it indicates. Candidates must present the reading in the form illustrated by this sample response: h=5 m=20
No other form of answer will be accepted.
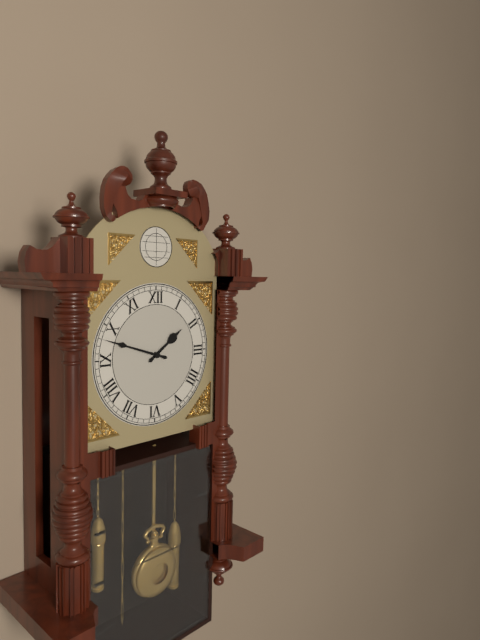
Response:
h=1 m=48
